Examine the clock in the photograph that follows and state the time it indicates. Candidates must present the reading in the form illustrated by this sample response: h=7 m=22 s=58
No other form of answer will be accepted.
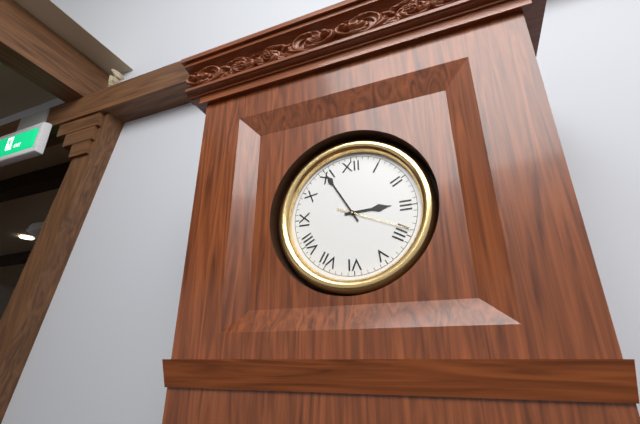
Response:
h=2 m=55 s=19
